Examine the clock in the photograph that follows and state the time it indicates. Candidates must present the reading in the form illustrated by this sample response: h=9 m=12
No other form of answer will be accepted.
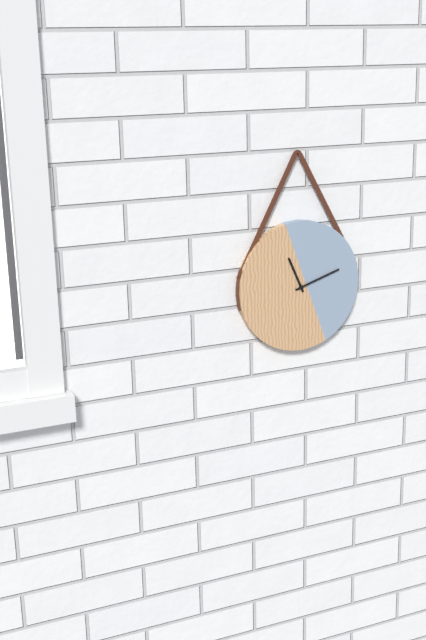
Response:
h=11 m=12
